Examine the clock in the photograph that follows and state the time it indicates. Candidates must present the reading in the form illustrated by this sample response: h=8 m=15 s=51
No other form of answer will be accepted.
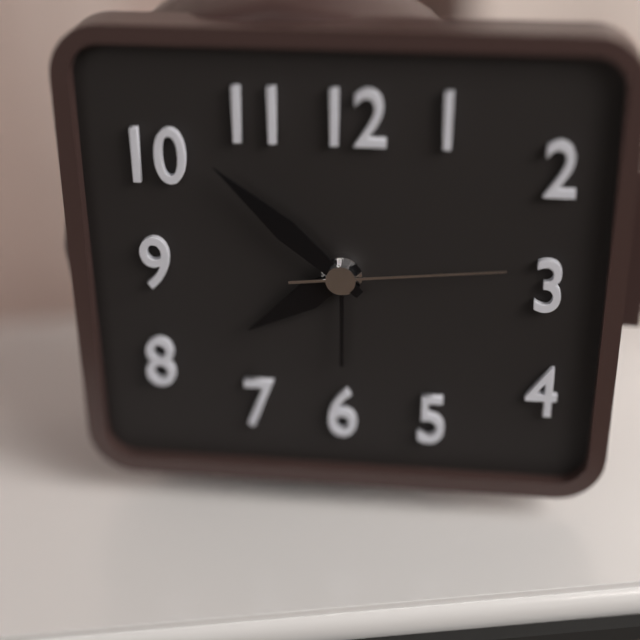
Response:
h=7 m=52 s=14
